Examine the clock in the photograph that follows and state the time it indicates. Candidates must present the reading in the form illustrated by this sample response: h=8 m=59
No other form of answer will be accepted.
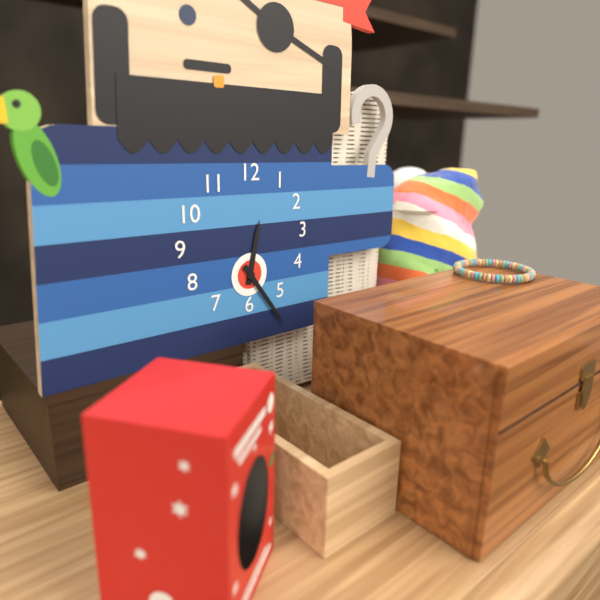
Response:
h=12 m=24
